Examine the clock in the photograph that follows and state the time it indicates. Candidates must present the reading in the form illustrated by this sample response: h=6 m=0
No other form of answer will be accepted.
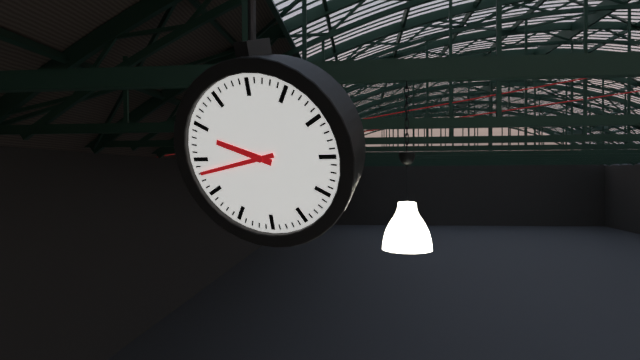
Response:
h=9 m=43
